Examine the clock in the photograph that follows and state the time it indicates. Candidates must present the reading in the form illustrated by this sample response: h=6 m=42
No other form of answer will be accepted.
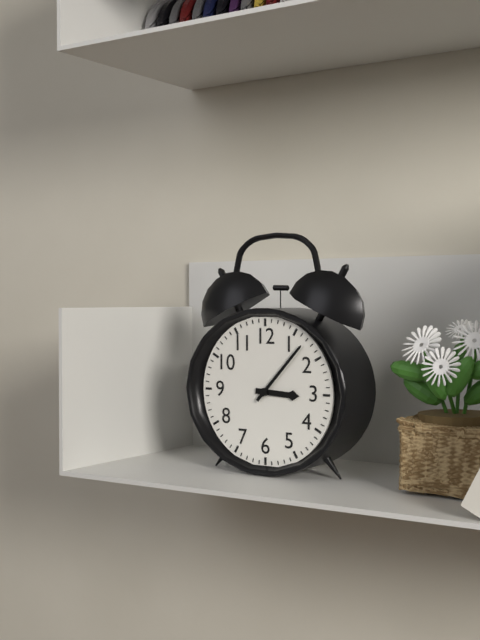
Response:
h=3 m=7
